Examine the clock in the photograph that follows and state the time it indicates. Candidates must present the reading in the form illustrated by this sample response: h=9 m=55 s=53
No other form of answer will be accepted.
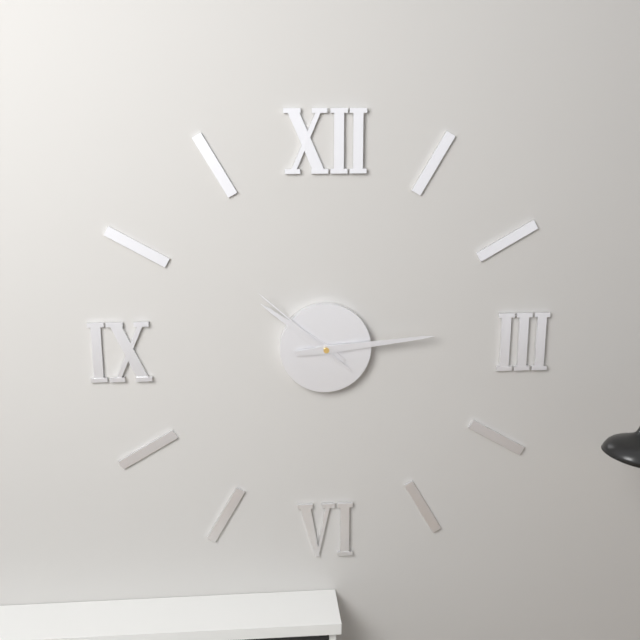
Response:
h=10 m=14 s=52
